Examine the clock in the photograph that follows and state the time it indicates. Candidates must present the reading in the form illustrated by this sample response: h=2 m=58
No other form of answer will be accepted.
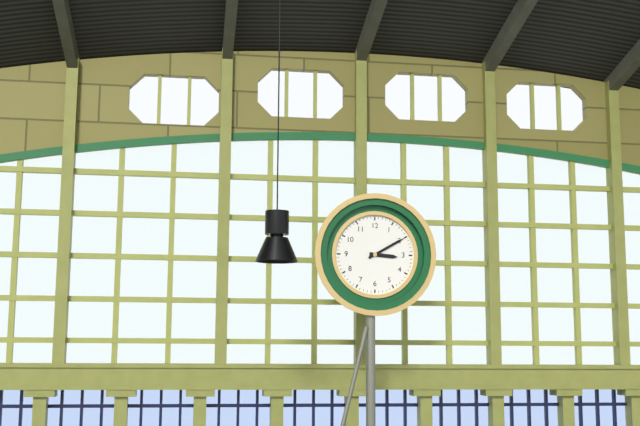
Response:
h=3 m=10
